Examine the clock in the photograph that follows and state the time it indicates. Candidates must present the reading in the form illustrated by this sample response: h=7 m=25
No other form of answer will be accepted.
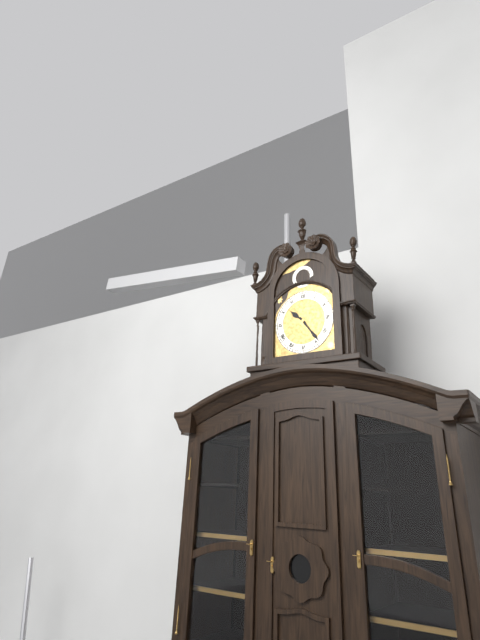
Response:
h=10 m=24
